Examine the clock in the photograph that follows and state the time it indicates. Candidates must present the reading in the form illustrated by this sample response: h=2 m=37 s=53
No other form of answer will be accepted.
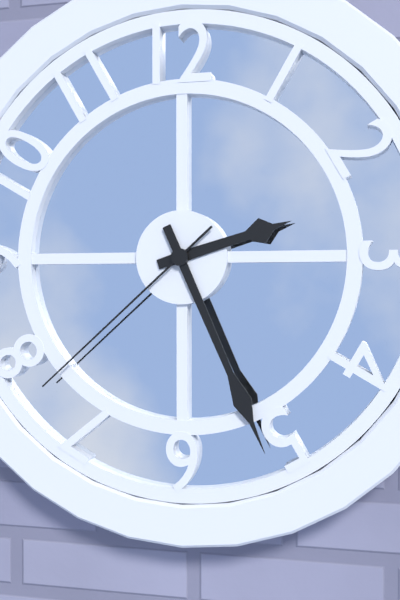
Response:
h=2 m=26 s=38
